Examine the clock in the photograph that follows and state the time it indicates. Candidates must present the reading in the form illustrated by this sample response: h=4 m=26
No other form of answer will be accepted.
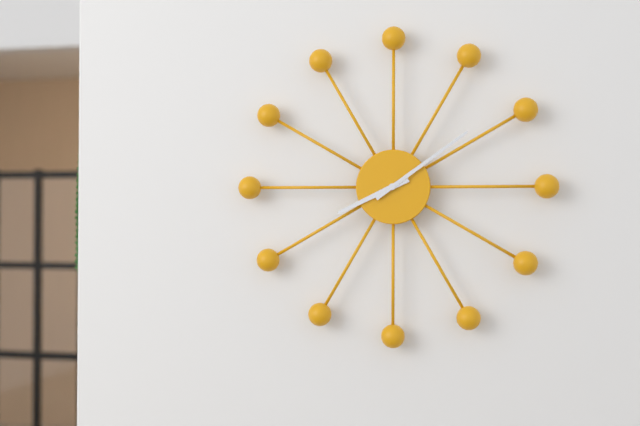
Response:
h=8 m=9
